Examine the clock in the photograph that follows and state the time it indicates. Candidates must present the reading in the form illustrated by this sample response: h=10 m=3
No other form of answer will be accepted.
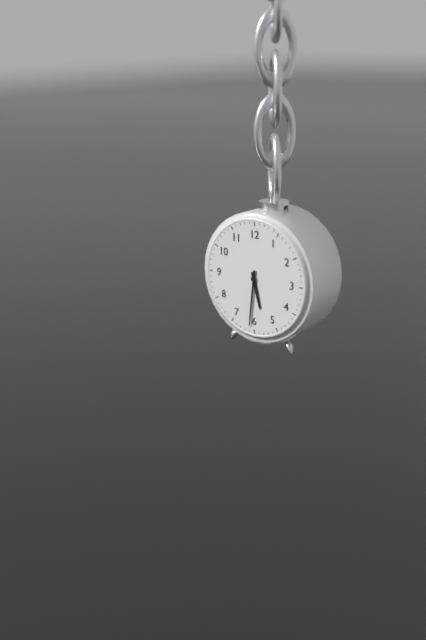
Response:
h=5 m=31
